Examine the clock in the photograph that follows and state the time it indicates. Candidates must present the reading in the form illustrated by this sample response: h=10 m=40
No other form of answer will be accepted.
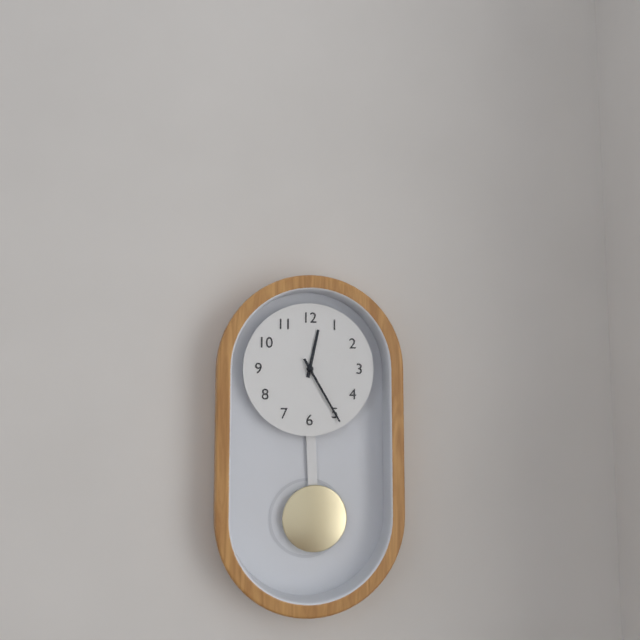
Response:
h=12 m=25
